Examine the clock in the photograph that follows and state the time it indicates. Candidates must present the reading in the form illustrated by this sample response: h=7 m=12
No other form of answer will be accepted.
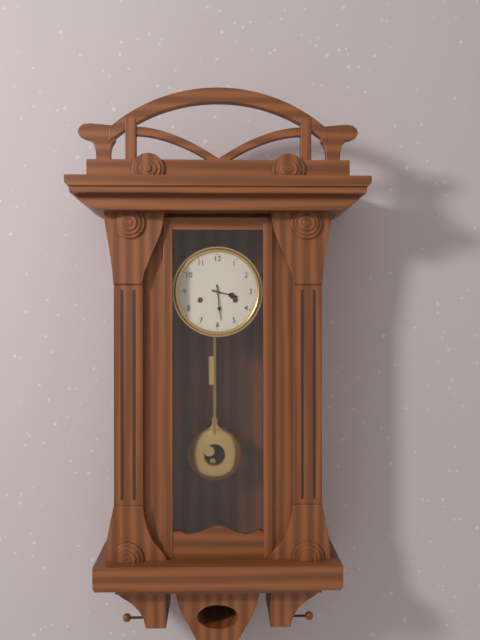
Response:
h=3 m=29
